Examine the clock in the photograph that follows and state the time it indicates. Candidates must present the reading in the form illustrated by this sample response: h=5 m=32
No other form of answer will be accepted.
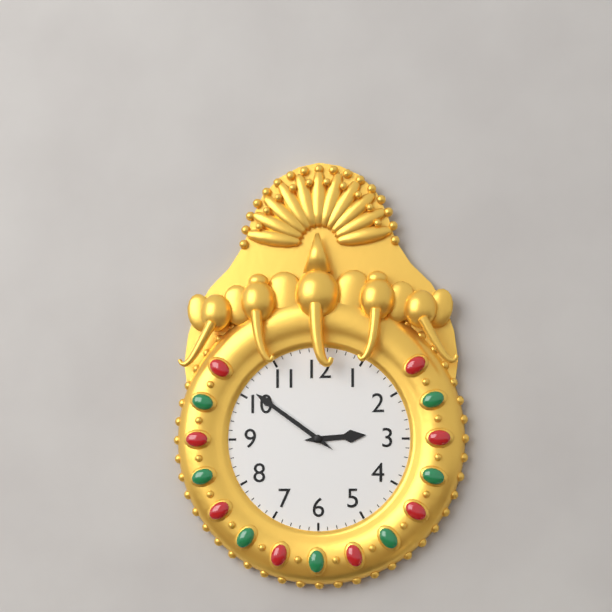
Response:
h=2 m=51
